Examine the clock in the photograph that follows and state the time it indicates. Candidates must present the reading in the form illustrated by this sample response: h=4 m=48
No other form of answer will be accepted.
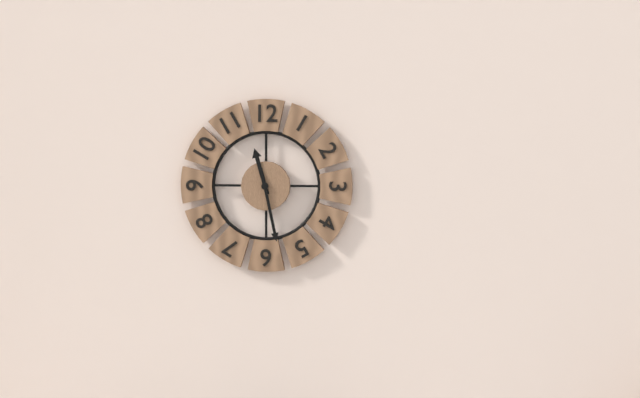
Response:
h=11 m=28
